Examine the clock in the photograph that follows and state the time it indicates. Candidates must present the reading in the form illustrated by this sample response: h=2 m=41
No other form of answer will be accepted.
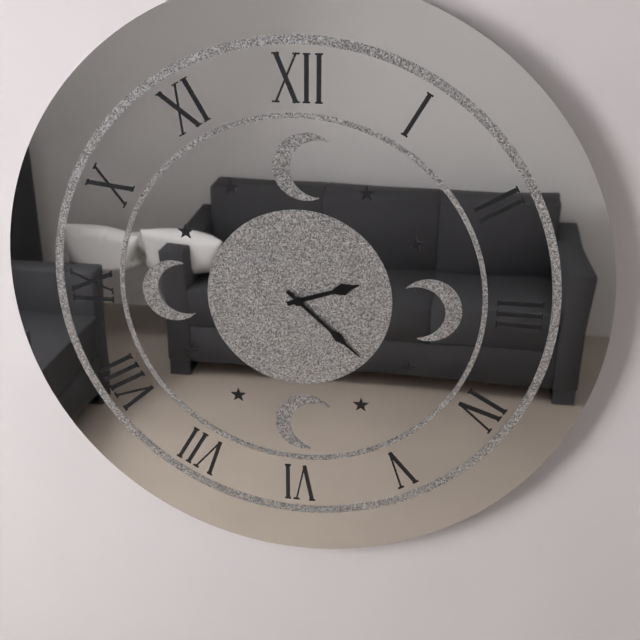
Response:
h=2 m=22
